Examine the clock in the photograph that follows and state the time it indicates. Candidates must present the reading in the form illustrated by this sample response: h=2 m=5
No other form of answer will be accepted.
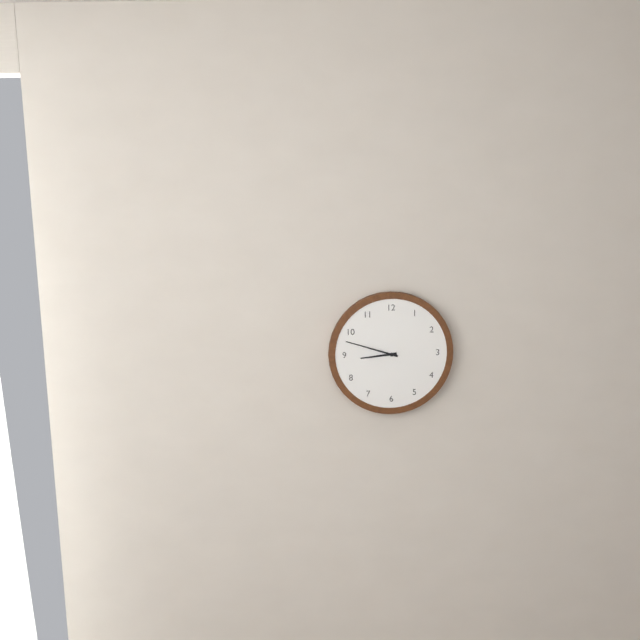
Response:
h=8 m=48
